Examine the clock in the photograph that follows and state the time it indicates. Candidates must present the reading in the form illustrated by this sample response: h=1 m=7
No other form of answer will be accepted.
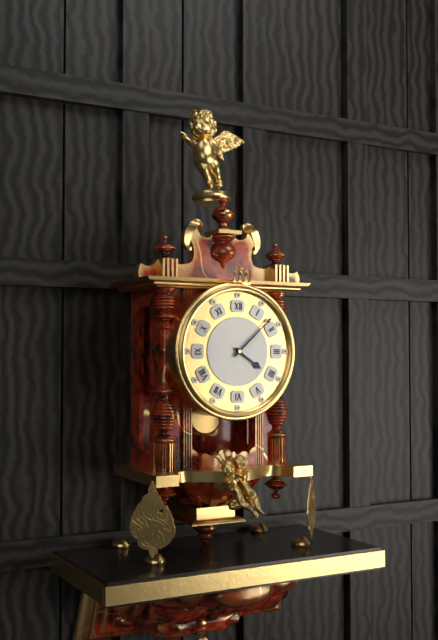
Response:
h=4 m=8
